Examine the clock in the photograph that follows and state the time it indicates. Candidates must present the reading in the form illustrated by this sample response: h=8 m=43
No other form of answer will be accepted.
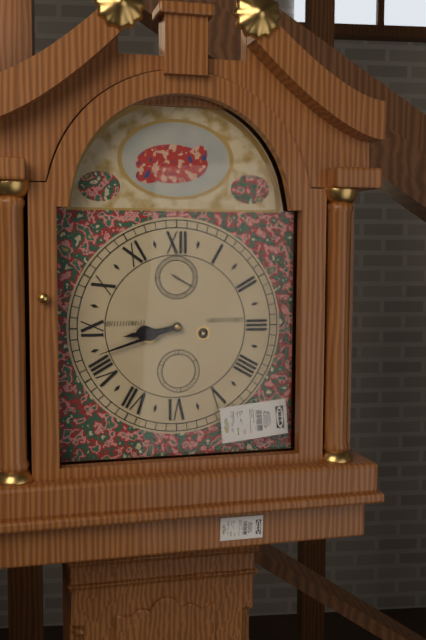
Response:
h=8 m=42
